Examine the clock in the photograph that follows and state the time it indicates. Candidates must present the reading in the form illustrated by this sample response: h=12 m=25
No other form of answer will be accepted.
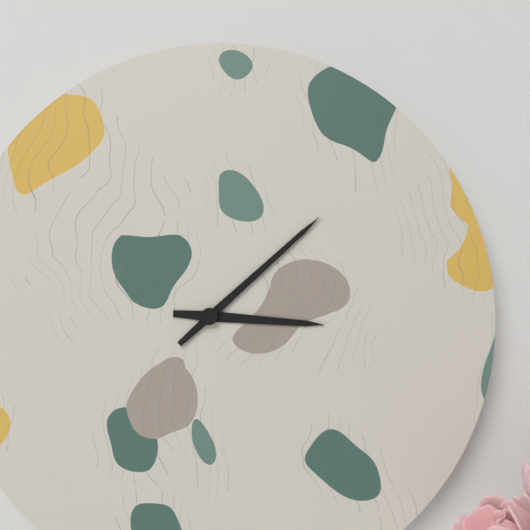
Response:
h=3 m=8
